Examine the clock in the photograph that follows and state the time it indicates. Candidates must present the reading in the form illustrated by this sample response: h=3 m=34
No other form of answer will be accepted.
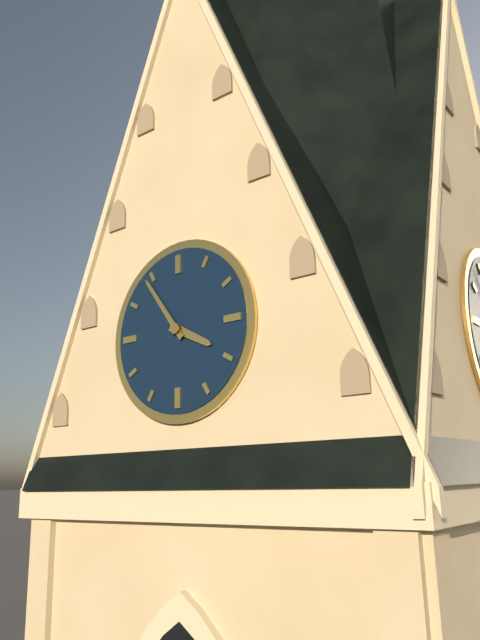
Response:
h=3 m=54
